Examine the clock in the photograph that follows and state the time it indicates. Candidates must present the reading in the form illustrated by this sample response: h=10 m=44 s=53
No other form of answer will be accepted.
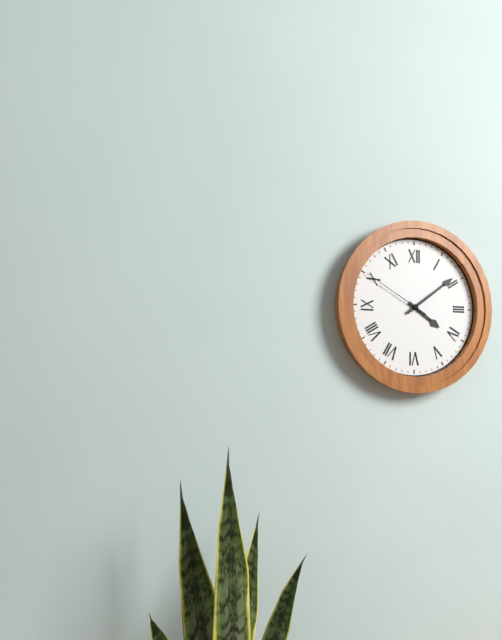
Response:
h=4 m=9 s=50
